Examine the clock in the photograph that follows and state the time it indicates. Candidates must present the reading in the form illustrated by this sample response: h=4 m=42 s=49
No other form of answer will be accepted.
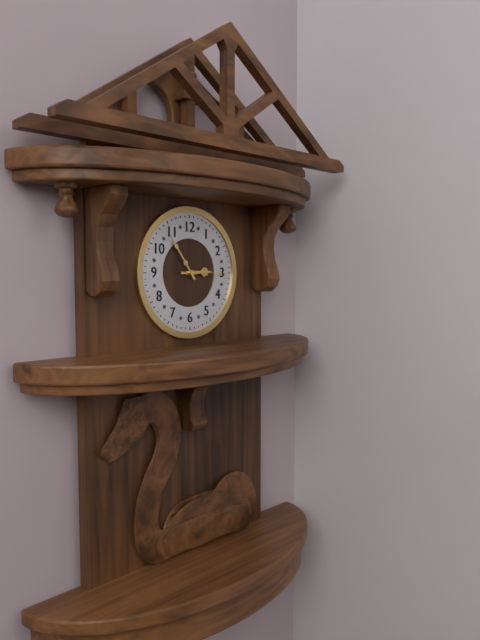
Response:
h=2 m=54 s=15
